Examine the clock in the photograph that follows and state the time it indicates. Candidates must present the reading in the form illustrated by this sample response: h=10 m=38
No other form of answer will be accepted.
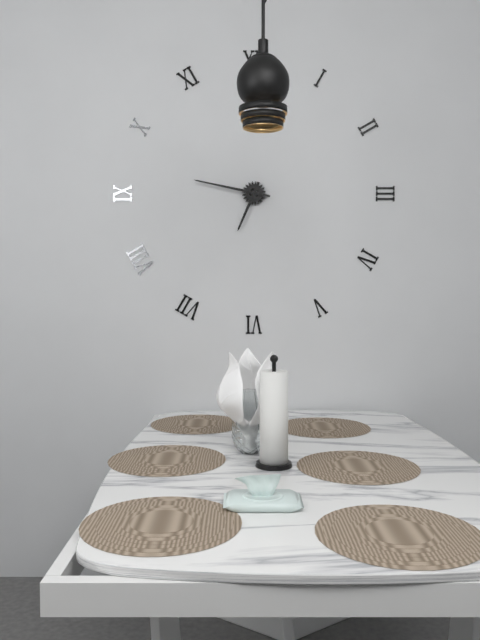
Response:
h=6 m=47
